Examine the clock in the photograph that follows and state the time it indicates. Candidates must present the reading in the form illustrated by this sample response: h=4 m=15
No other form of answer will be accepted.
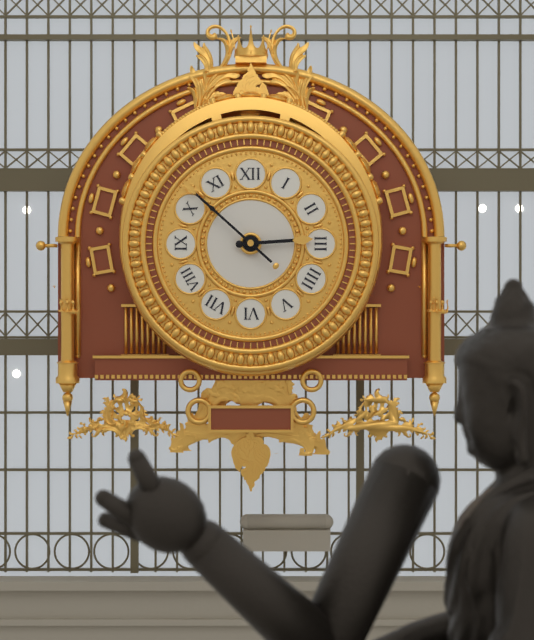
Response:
h=2 m=52
